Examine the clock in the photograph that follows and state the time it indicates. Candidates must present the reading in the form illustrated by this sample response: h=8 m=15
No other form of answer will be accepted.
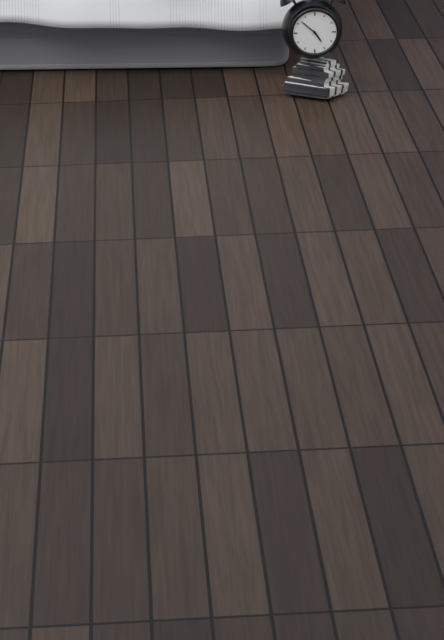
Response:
h=4 m=52
